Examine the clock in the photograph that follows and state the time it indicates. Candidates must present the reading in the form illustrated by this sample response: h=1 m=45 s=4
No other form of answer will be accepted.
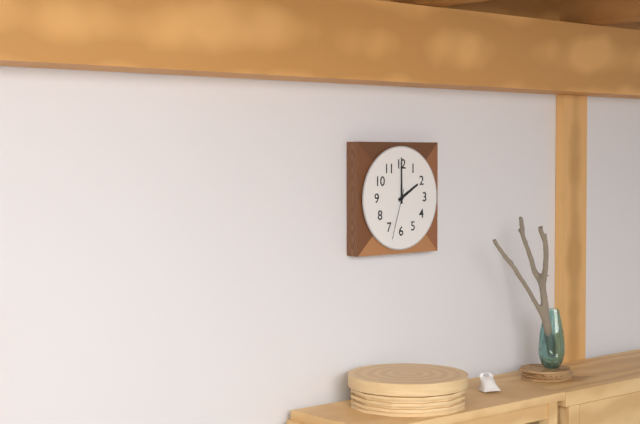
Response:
h=2 m=0 s=33
